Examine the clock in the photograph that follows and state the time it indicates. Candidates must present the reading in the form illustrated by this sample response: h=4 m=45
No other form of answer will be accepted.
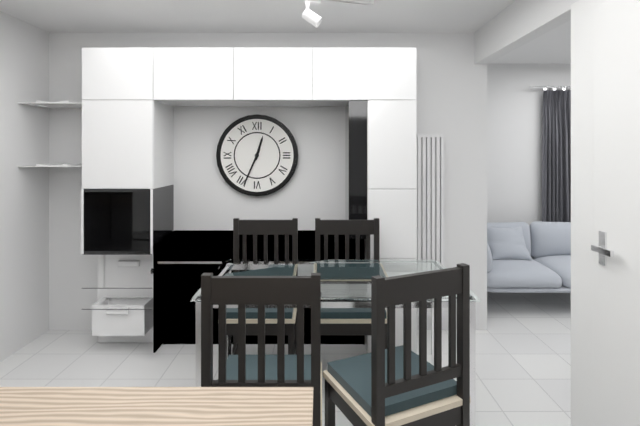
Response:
h=12 m=34
